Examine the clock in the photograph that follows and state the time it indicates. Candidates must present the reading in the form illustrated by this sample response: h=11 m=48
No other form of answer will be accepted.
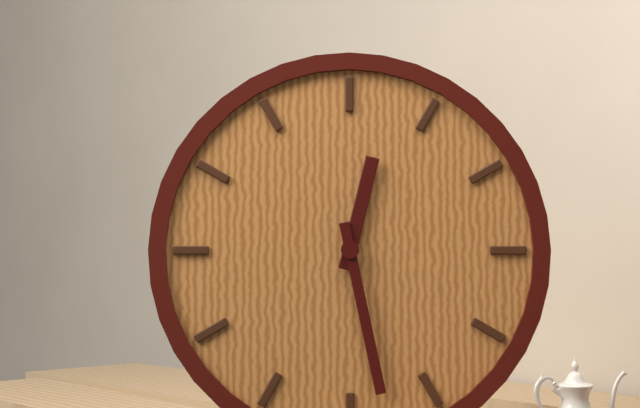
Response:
h=12 m=28
